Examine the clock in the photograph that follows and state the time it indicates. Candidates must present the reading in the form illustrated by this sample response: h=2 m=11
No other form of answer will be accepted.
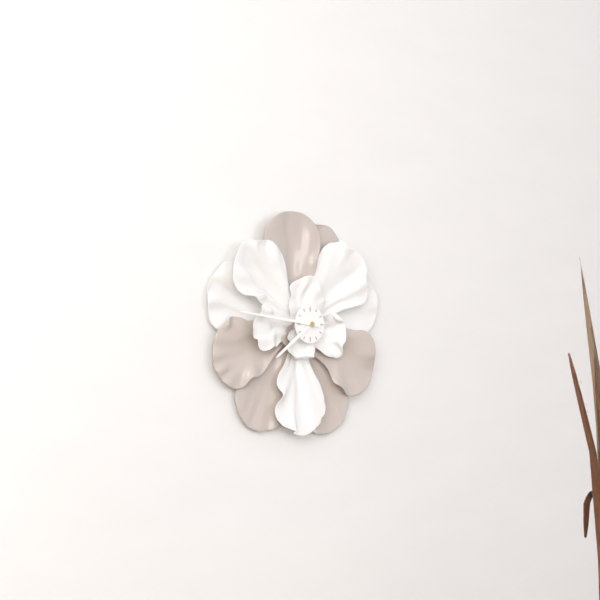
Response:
h=7 m=46
